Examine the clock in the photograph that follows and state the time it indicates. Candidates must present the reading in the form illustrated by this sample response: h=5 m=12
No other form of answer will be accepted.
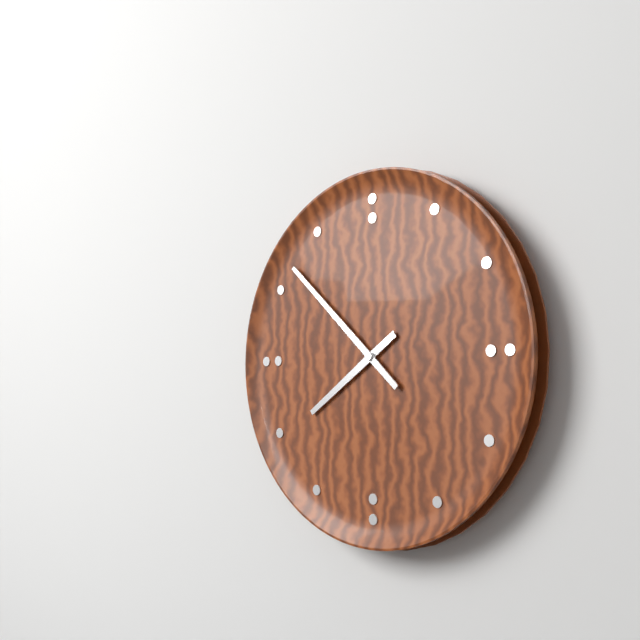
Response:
h=7 m=52
